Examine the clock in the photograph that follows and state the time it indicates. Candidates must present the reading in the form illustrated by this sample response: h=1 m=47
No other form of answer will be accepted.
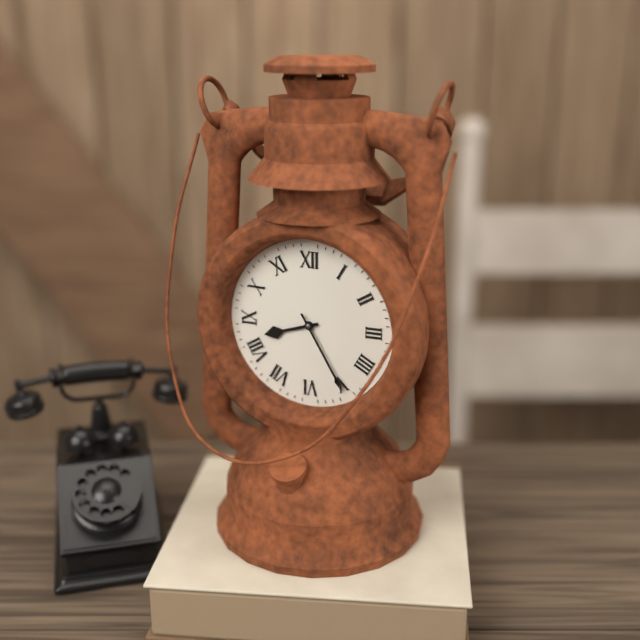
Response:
h=8 m=25
